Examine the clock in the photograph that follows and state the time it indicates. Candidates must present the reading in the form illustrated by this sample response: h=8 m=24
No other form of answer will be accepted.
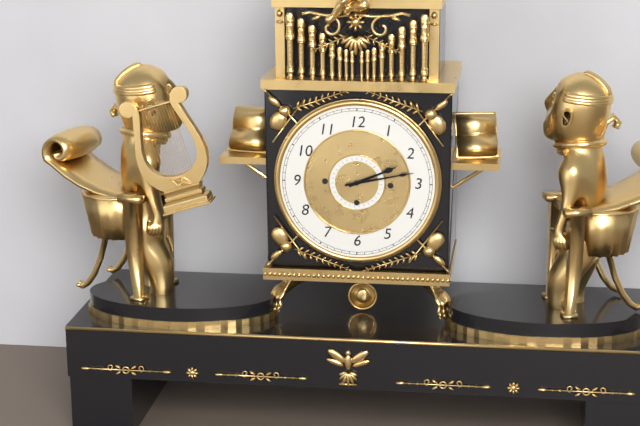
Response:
h=2 m=13
